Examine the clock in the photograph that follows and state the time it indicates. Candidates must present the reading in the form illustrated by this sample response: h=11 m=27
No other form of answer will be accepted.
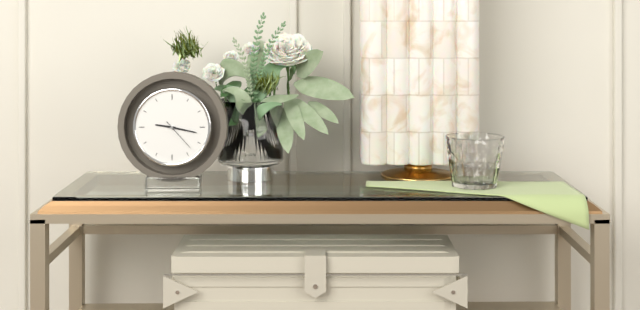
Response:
h=9 m=17
